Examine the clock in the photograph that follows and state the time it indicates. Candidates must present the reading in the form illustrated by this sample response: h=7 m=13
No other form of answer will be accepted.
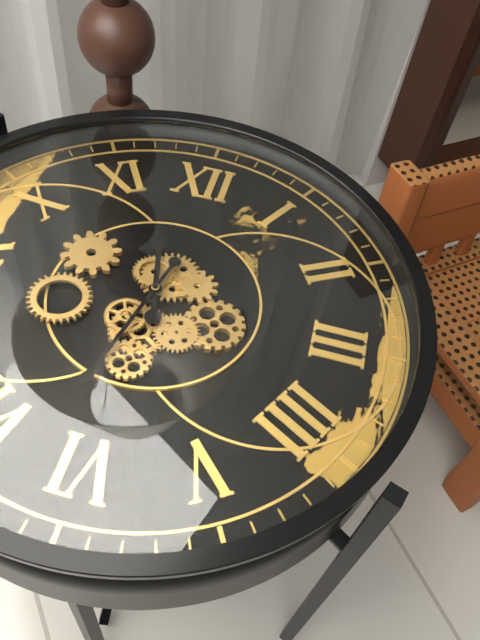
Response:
h=11 m=32
